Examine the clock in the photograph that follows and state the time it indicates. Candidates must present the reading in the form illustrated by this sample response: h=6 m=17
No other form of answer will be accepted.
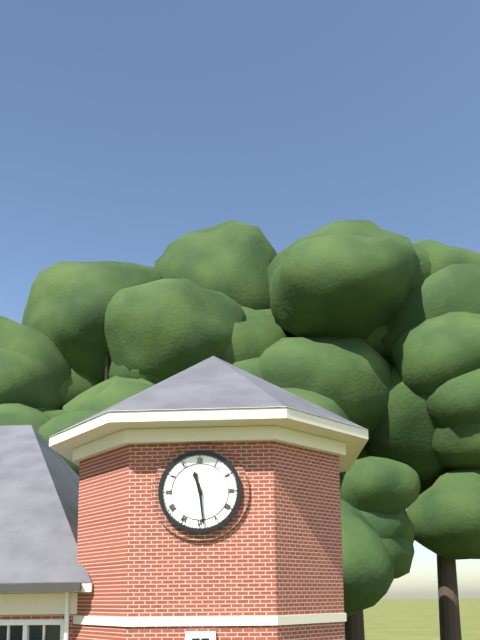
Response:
h=11 m=29
